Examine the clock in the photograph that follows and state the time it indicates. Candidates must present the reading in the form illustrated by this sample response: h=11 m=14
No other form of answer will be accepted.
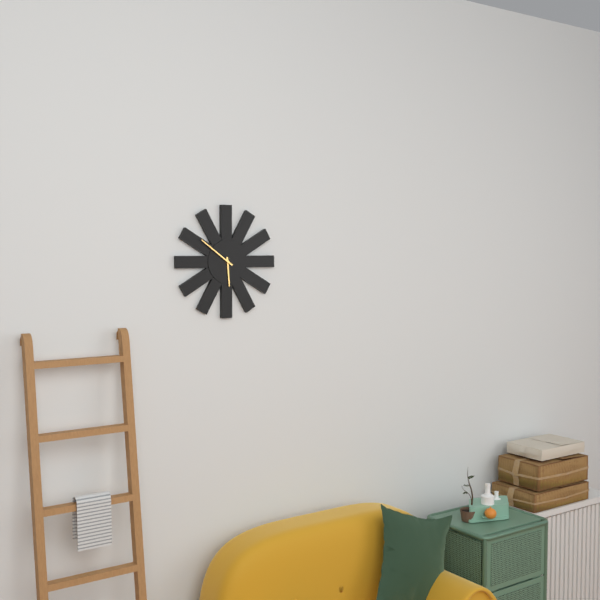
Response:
h=5 m=51
